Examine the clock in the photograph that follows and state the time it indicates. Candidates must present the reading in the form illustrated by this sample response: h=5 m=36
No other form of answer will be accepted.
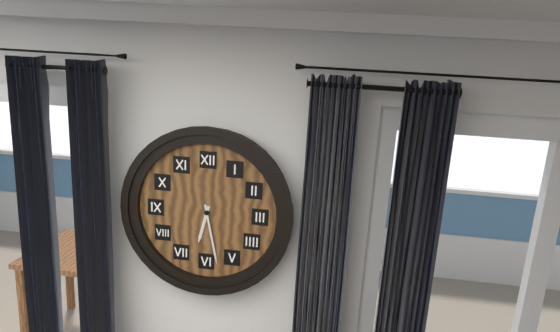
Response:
h=6 m=28
